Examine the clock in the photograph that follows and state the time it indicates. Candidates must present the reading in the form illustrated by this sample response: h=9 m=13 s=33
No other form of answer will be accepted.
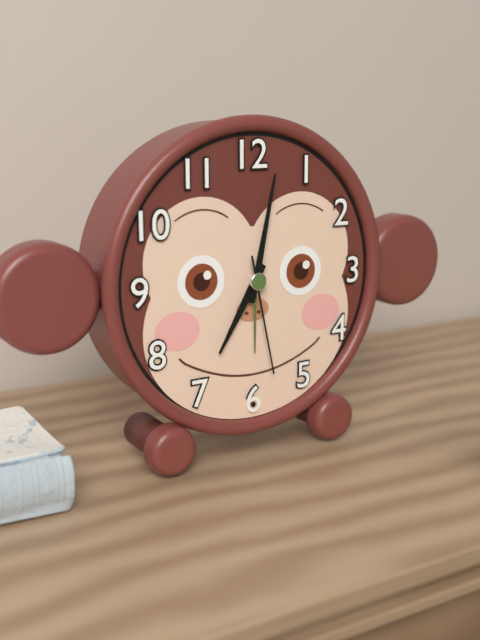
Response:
h=7 m=2 s=28
